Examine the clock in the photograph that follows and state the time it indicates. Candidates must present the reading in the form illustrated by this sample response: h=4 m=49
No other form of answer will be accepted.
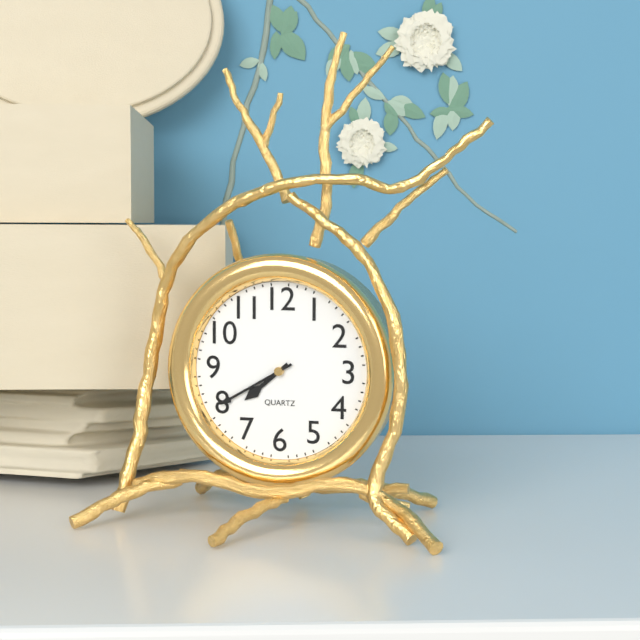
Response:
h=7 m=40
